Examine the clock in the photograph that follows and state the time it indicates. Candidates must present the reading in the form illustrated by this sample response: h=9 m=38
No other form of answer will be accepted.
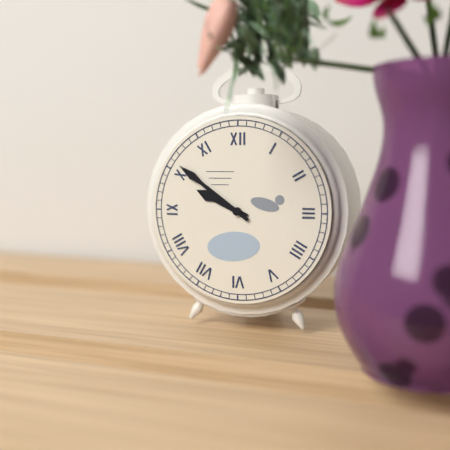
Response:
h=9 m=51
